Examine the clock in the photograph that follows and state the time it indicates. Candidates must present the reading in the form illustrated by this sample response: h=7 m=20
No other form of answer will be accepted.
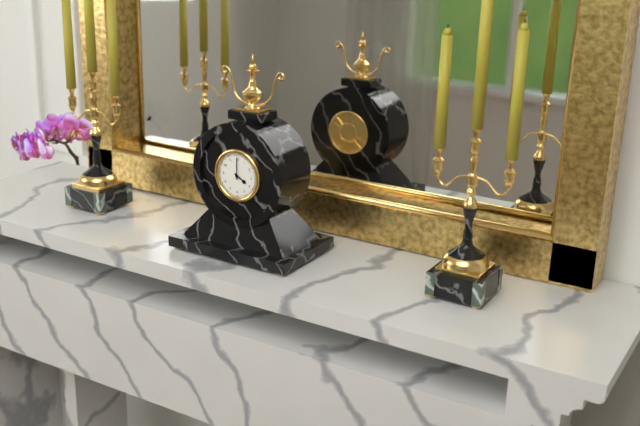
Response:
h=4 m=0
